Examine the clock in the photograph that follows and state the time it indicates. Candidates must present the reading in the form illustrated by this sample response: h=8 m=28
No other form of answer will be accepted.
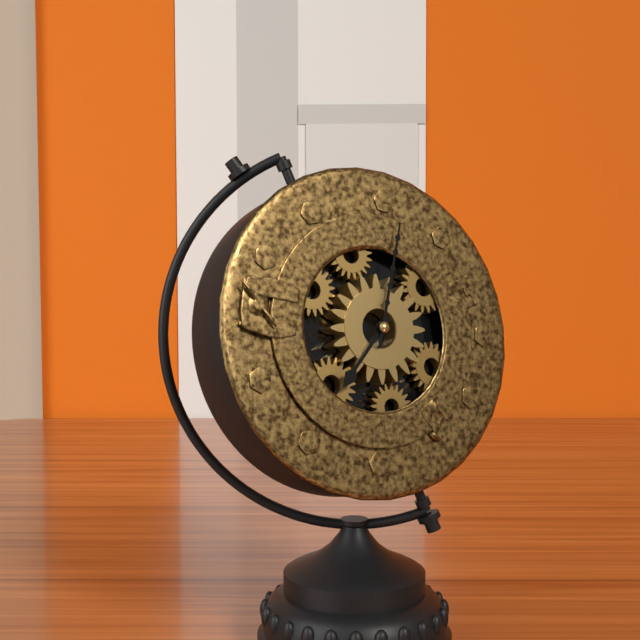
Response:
h=7 m=1
